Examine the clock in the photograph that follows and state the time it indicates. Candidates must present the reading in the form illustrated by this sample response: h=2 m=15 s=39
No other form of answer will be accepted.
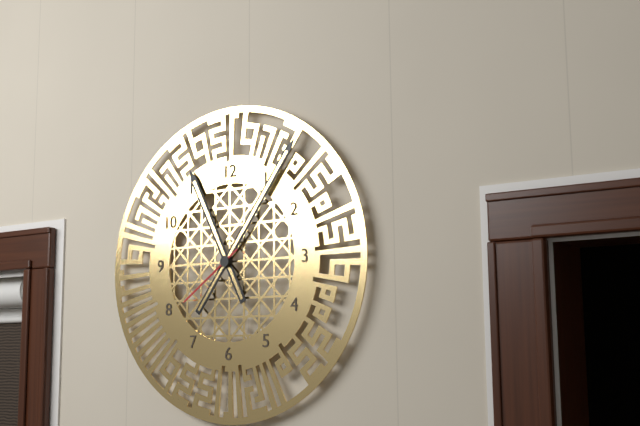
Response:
h=11 m=6 s=39
